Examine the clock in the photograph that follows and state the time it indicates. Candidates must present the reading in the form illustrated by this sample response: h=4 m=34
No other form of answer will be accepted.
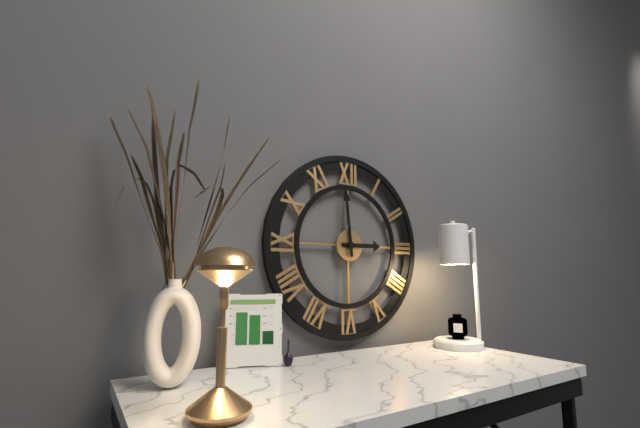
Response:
h=2 m=59
